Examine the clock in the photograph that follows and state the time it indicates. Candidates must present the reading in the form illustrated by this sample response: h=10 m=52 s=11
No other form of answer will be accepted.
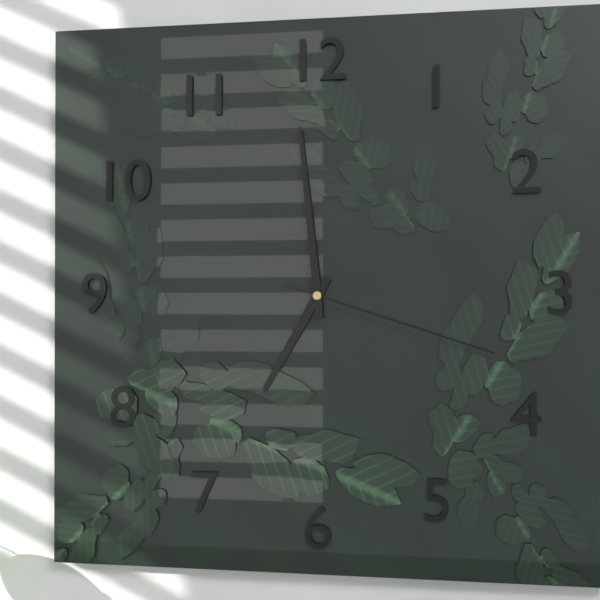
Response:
h=6 m=59 s=18
